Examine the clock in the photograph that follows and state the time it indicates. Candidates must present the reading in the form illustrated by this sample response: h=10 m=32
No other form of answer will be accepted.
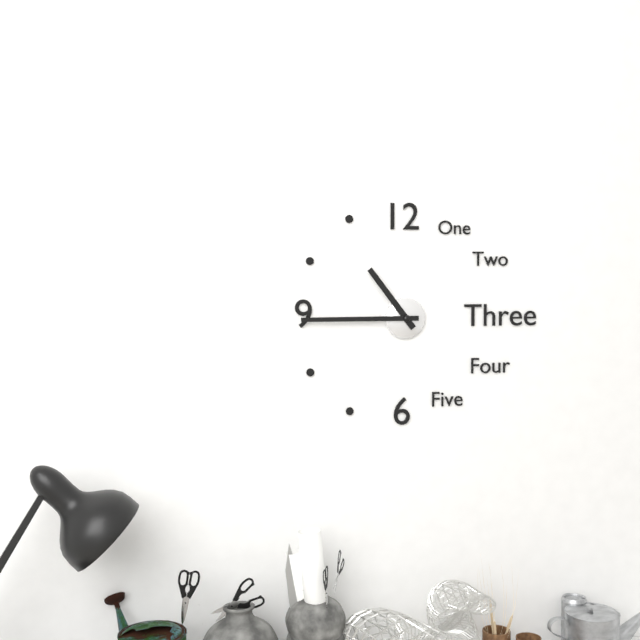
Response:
h=10 m=45
